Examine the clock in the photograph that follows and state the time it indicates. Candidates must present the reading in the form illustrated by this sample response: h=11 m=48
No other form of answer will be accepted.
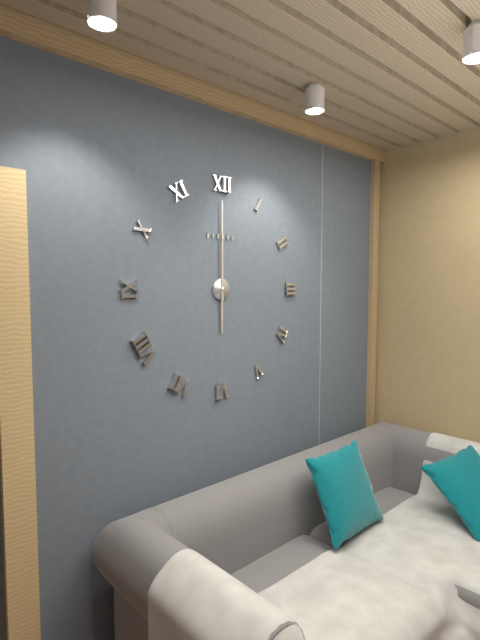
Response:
h=6 m=0
